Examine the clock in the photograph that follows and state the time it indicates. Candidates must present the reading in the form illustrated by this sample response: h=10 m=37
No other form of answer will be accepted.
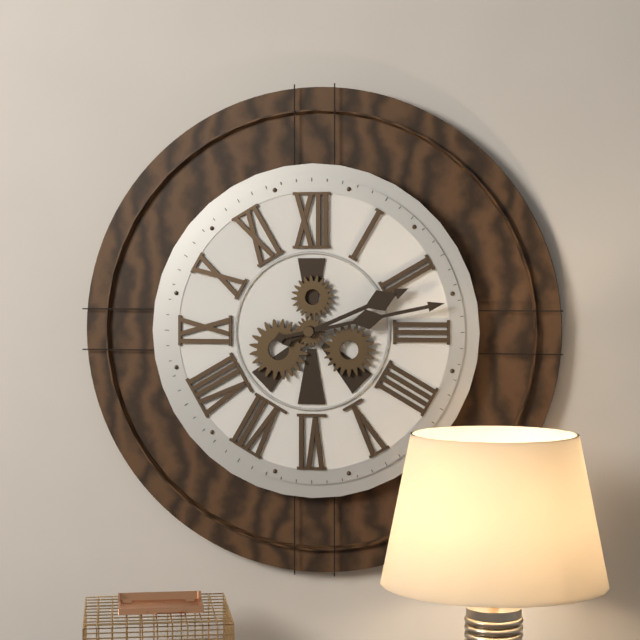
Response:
h=2 m=13
